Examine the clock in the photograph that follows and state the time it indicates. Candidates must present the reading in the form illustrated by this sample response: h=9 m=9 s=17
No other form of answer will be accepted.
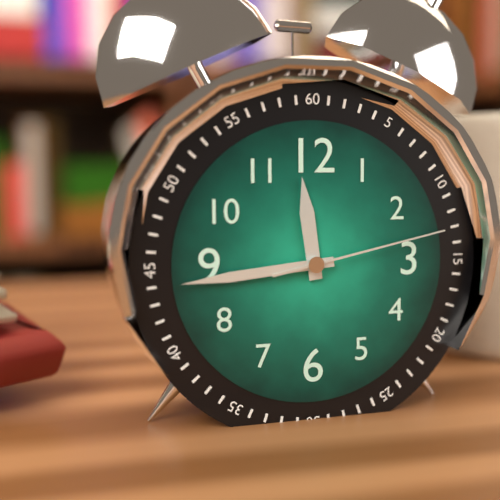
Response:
h=11 m=44 s=13
